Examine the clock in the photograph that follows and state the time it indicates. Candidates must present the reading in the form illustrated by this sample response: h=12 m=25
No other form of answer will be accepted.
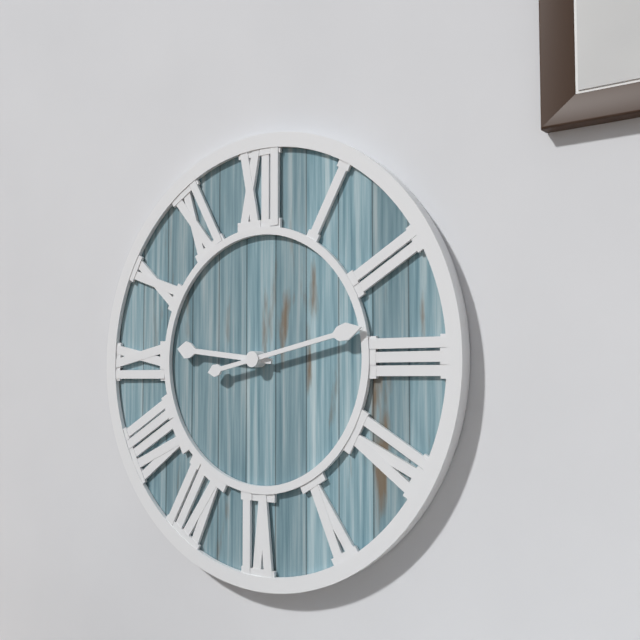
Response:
h=9 m=13
